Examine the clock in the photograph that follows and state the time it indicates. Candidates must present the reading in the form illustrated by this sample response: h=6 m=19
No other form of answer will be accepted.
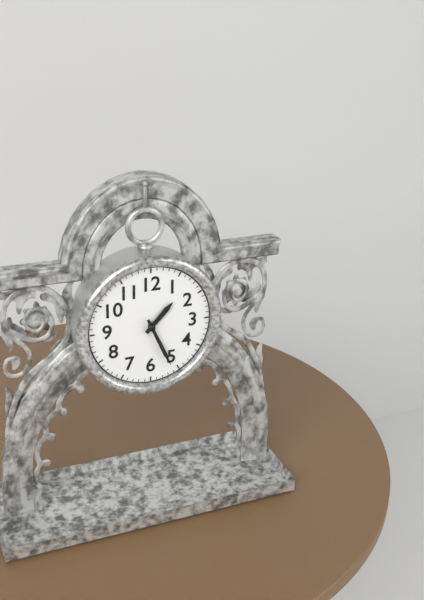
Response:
h=1 m=26
